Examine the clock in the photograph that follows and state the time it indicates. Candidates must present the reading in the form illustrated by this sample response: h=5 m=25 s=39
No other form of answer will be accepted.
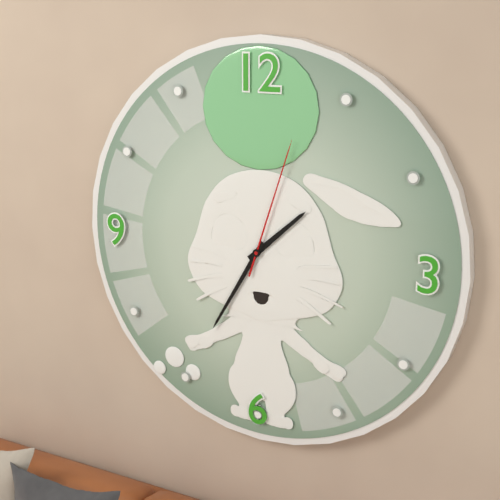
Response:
h=1 m=35 s=3
